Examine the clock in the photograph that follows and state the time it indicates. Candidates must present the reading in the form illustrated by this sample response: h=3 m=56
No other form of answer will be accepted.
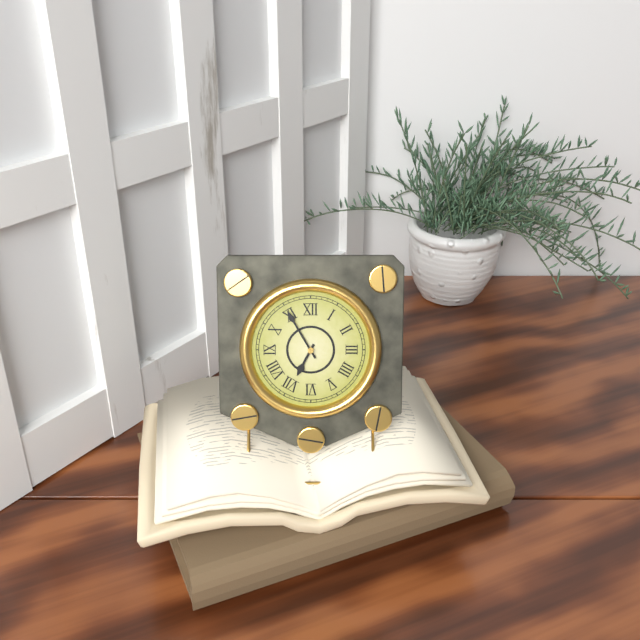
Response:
h=6 m=55
